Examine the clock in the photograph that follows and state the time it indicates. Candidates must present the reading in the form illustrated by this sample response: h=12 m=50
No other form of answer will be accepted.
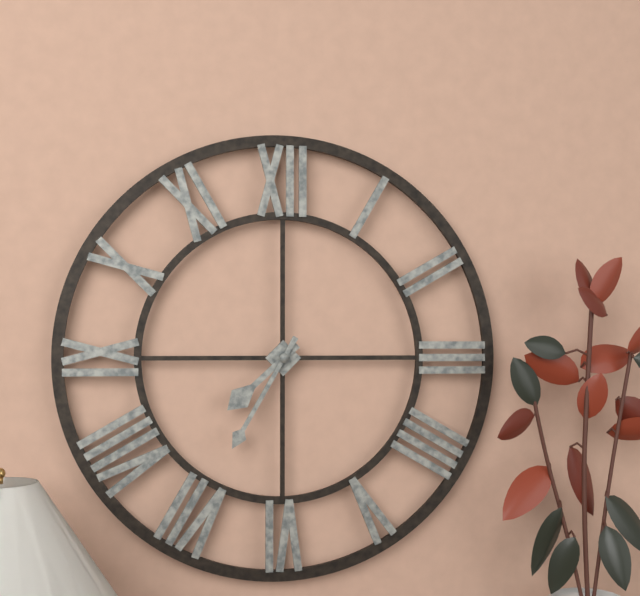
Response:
h=7 m=35
